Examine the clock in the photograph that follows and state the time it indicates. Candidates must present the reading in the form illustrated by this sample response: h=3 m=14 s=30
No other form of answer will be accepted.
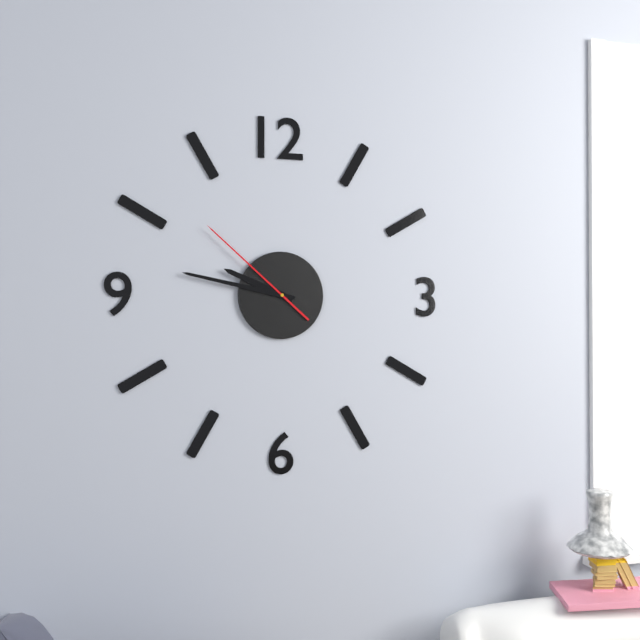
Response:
h=9 m=47 s=52
